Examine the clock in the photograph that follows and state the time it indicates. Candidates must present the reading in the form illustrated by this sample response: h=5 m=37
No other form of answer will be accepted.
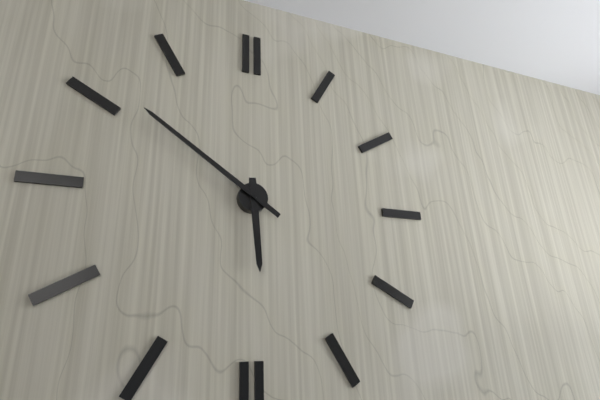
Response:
h=5 m=51
